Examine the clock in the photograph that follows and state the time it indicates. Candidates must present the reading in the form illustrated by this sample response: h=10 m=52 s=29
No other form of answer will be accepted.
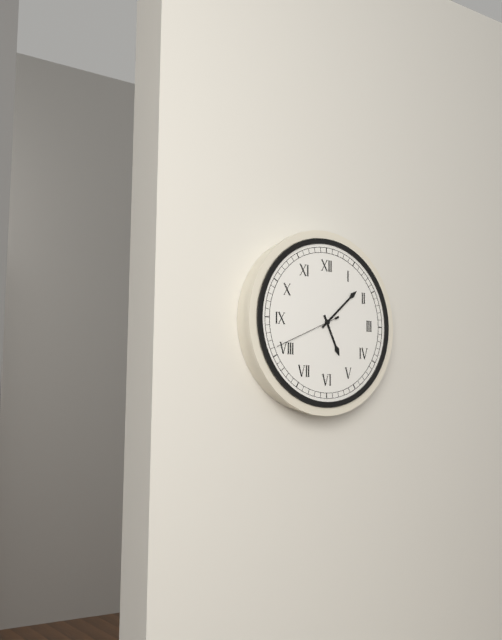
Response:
h=5 m=8 s=41
